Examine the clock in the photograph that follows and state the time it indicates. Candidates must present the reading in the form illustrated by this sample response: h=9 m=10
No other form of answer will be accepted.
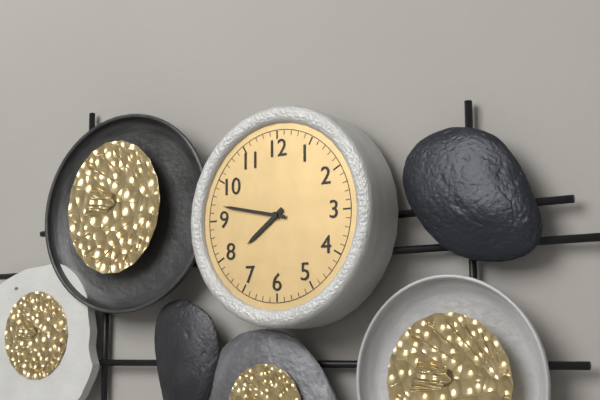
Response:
h=7 m=47
